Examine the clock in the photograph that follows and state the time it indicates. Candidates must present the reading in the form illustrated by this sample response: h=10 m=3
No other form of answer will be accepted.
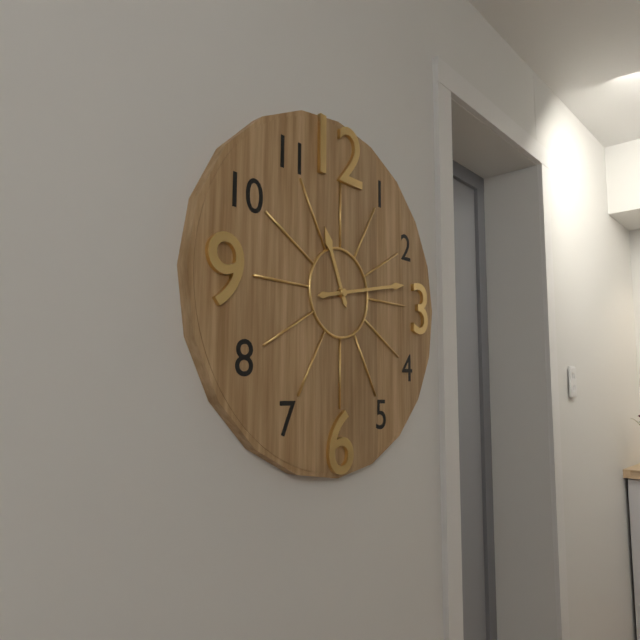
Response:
h=11 m=13
